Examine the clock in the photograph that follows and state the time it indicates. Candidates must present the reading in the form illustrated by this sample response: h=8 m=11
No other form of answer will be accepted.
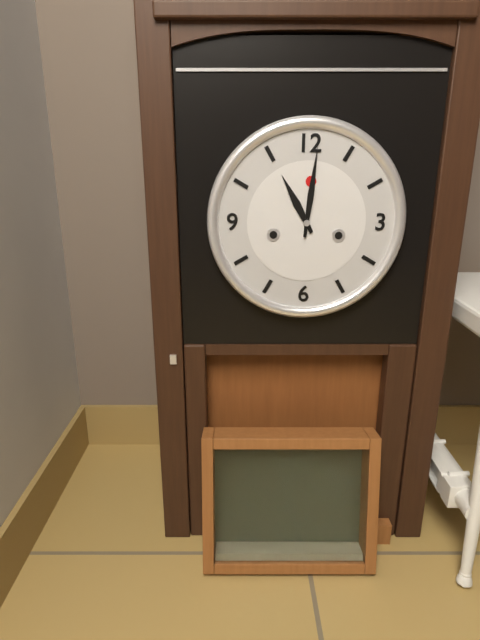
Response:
h=11 m=1
